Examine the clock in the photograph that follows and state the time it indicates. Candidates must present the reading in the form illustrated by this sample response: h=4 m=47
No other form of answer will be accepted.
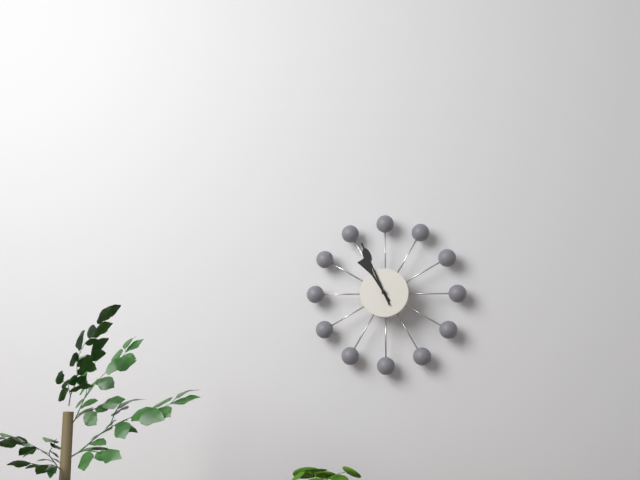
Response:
h=10 m=56
